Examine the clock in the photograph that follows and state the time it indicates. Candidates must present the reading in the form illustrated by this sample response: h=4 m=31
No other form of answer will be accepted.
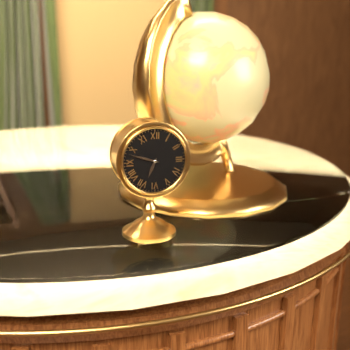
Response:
h=6 m=48
